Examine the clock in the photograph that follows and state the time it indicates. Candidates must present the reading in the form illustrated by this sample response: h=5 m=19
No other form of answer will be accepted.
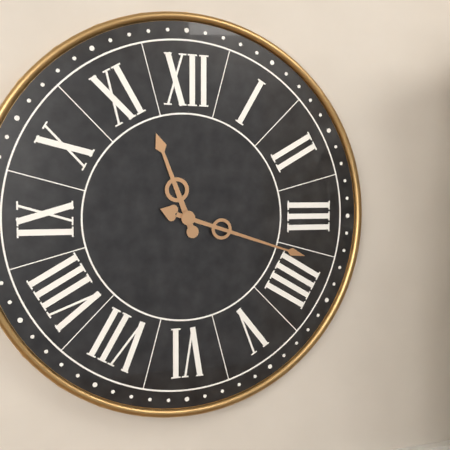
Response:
h=11 m=18
